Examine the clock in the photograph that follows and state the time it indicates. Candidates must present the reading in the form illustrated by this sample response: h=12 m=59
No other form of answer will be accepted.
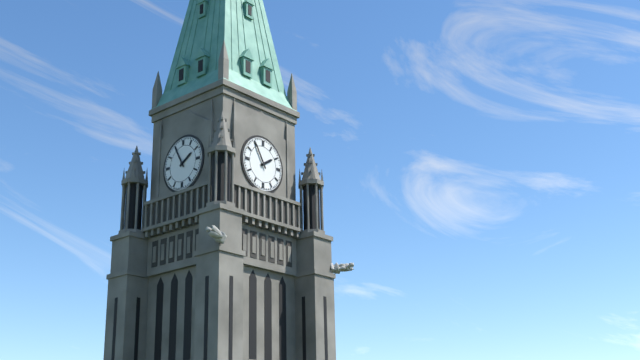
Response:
h=1 m=55
